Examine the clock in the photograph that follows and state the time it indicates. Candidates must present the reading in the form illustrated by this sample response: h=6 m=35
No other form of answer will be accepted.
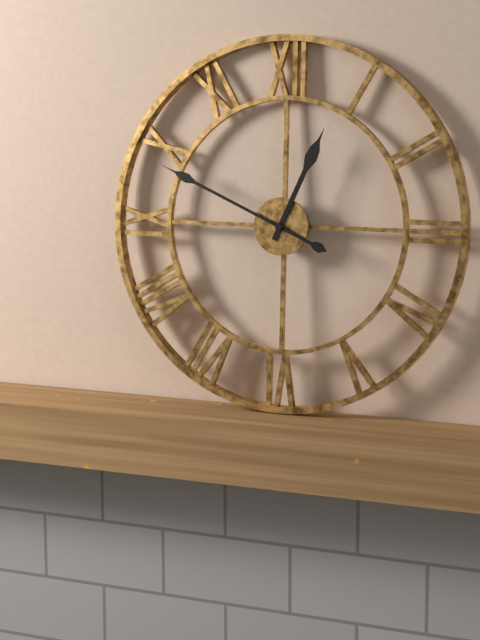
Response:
h=12 m=49
